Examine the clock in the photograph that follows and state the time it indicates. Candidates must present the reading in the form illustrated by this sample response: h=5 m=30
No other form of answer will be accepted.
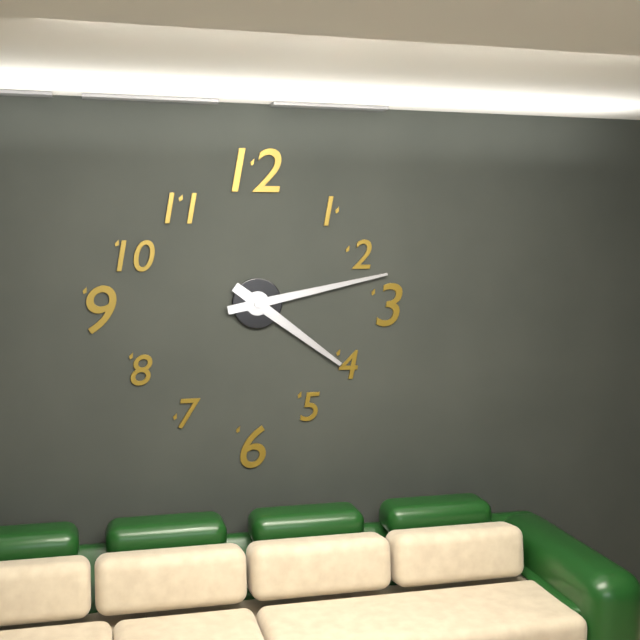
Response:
h=4 m=13
